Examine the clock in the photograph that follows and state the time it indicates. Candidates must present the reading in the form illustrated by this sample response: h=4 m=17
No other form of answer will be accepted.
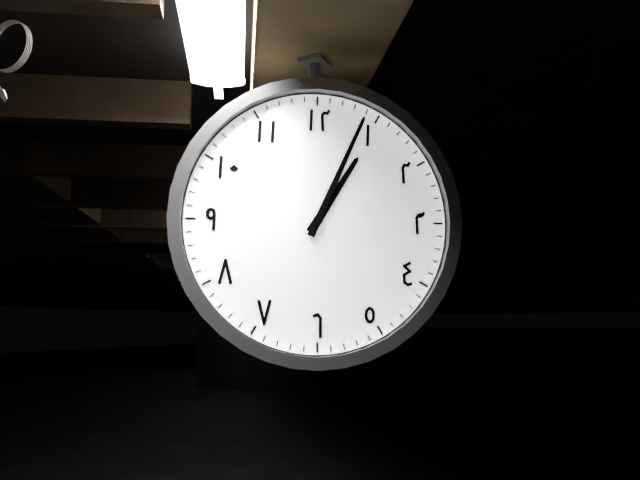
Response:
h=1 m=4
